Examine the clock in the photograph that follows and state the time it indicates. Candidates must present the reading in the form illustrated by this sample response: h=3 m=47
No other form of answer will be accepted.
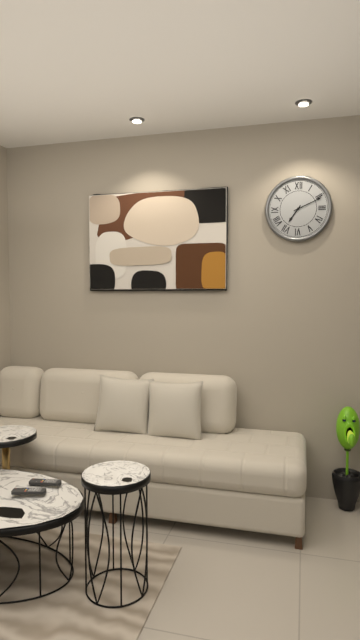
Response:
h=7 m=11
